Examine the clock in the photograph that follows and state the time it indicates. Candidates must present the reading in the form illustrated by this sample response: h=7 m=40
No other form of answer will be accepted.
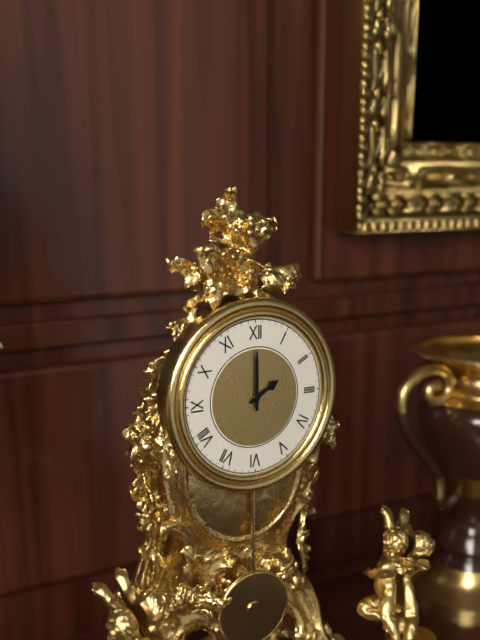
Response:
h=2 m=0
